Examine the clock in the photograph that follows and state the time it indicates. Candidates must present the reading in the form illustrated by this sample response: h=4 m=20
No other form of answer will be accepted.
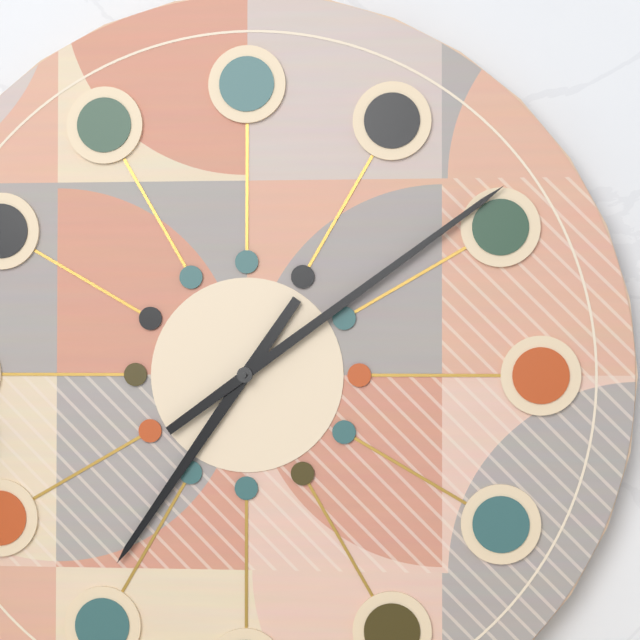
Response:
h=7 m=9
